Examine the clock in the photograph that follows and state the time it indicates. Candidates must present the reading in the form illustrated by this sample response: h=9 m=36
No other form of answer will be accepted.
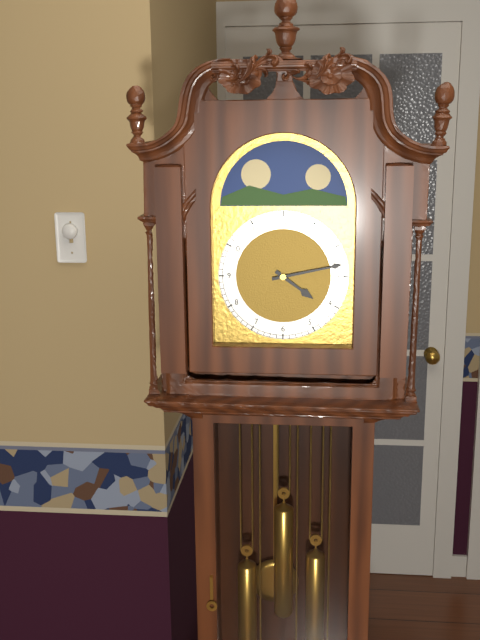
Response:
h=4 m=13
